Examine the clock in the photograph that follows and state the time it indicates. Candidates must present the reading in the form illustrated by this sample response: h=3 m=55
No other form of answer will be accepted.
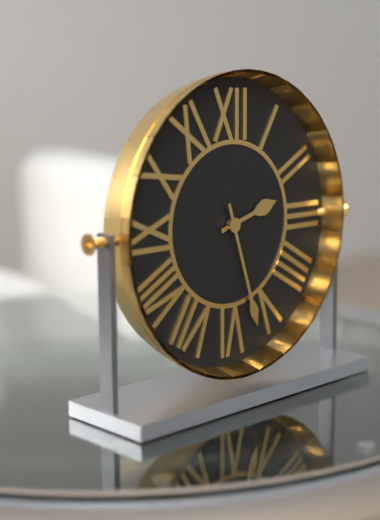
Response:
h=2 m=27
